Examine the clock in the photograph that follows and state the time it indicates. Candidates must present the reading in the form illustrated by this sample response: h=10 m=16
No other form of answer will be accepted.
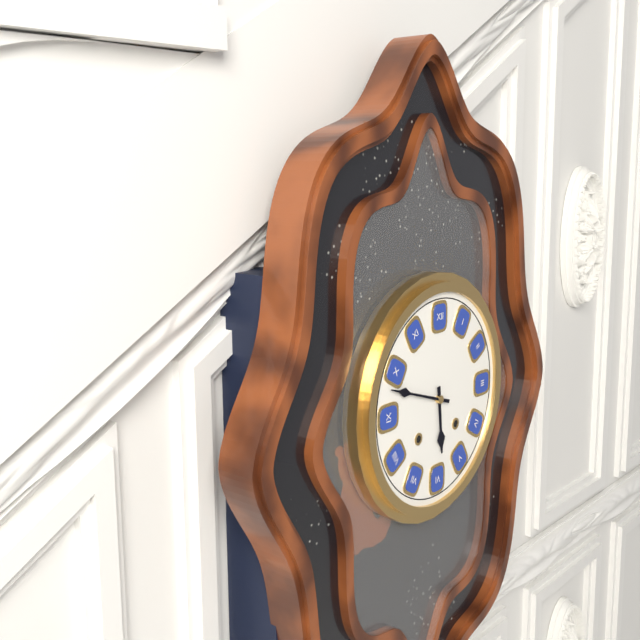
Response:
h=5 m=48
